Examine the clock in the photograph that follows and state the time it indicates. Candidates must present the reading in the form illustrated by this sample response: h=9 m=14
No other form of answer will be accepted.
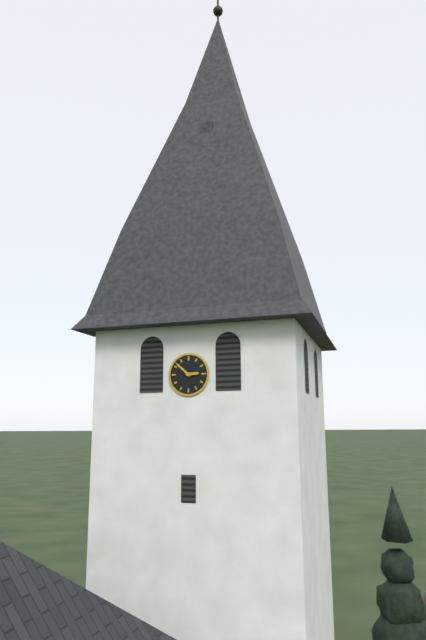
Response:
h=2 m=52
